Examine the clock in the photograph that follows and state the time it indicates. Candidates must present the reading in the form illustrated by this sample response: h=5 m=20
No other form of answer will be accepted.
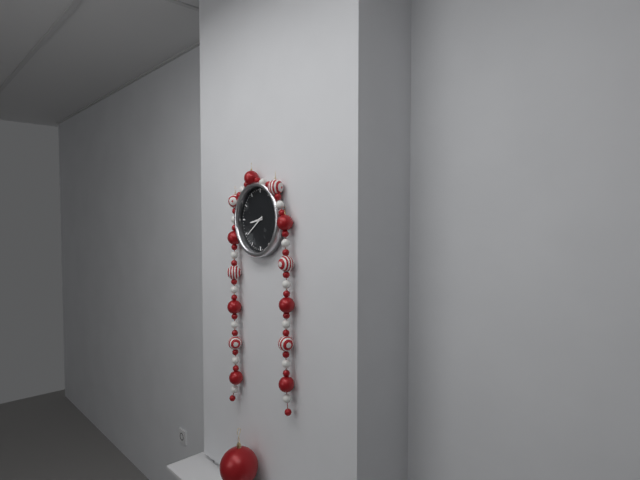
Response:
h=8 m=39
